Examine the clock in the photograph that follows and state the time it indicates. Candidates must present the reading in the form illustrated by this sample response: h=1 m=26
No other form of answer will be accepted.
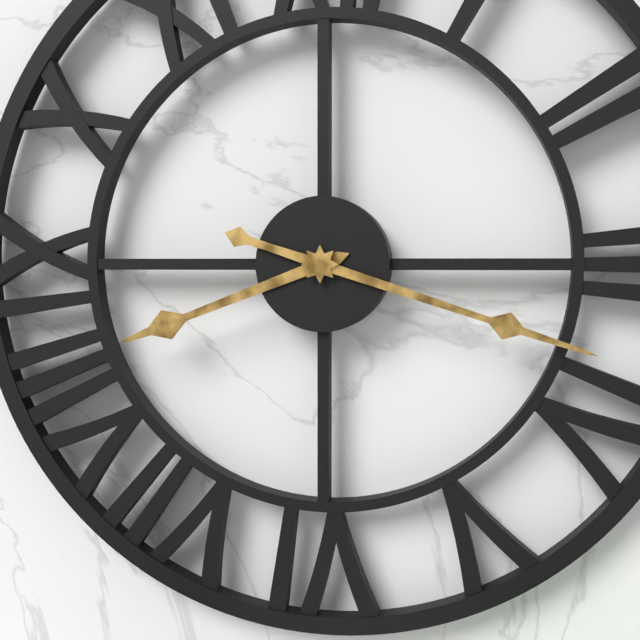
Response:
h=8 m=18
